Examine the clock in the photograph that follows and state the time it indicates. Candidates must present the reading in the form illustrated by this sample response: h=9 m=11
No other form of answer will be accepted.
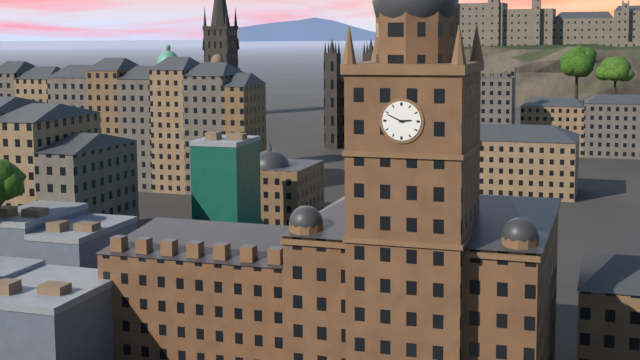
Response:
h=2 m=49
